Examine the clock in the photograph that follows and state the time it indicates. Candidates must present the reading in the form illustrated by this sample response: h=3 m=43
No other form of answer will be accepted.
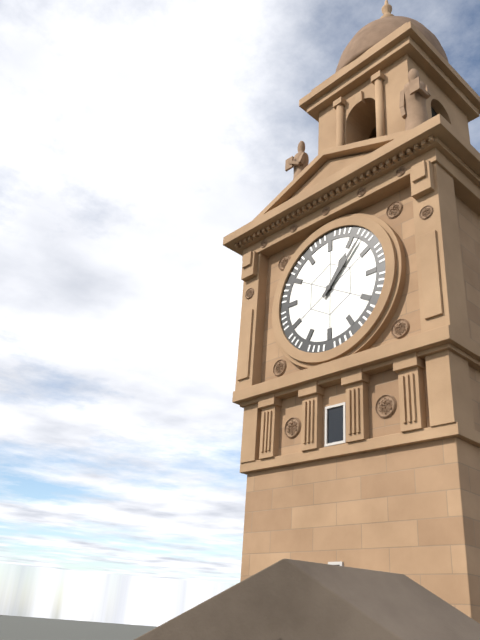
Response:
h=1 m=7
